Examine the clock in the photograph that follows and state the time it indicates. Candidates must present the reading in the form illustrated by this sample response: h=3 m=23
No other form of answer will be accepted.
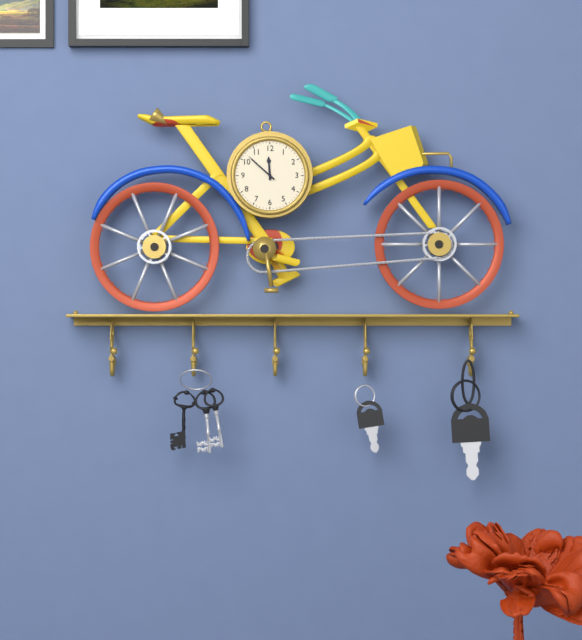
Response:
h=11 m=52
